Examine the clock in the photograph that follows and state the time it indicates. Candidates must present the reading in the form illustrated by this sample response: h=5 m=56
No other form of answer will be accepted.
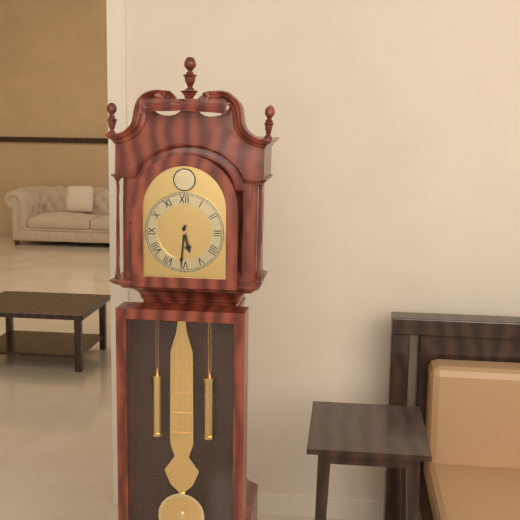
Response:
h=5 m=31
